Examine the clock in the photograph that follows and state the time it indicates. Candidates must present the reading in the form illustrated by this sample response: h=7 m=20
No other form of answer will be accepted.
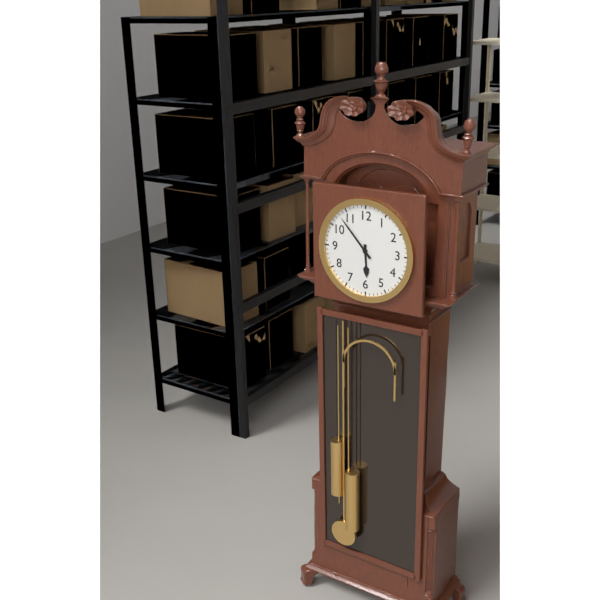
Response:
h=5 m=53
